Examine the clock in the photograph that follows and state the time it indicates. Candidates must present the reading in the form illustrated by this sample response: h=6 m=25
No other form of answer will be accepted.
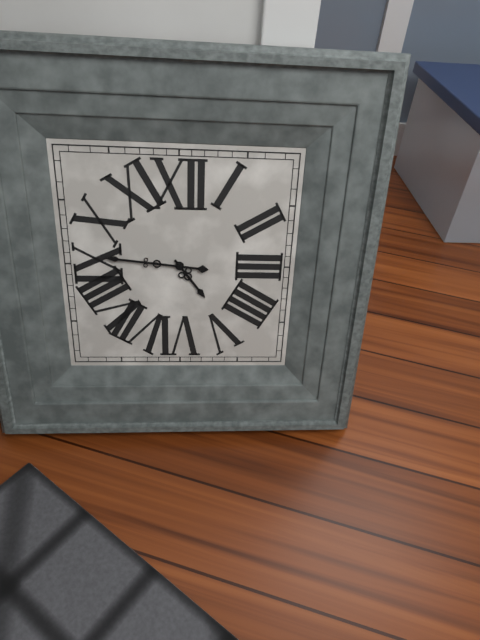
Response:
h=4 m=46
